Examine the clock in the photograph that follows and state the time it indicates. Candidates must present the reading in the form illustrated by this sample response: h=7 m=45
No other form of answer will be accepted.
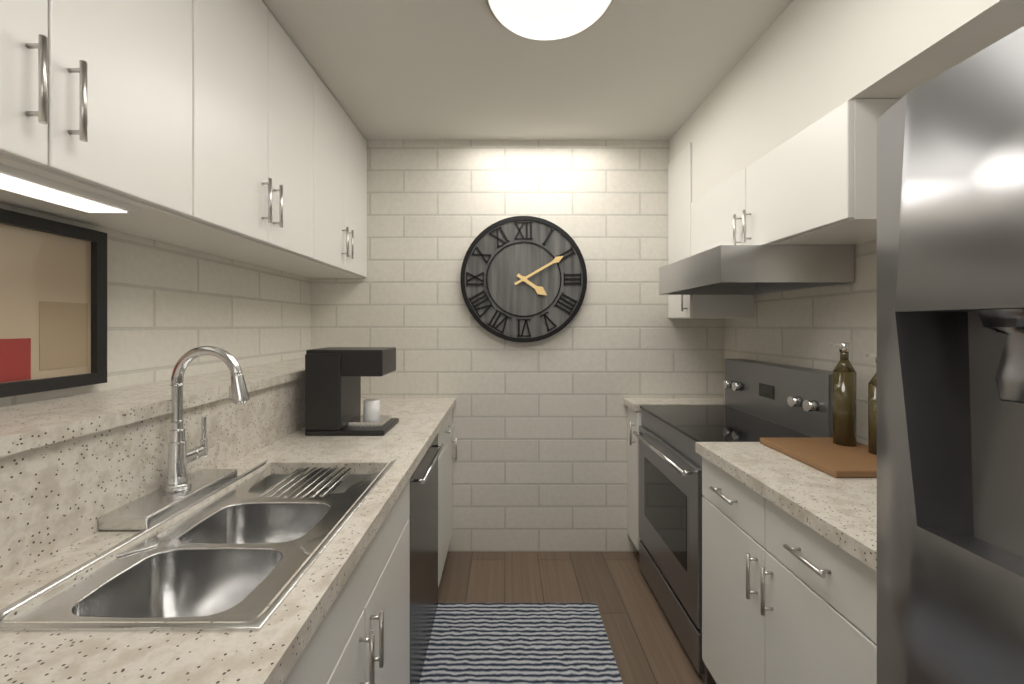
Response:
h=4 m=10
